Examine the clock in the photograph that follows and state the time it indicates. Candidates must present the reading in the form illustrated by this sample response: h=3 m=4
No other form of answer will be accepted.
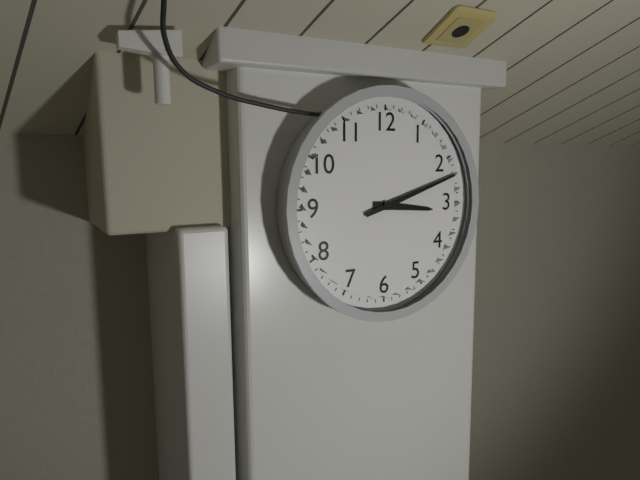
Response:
h=3 m=12
